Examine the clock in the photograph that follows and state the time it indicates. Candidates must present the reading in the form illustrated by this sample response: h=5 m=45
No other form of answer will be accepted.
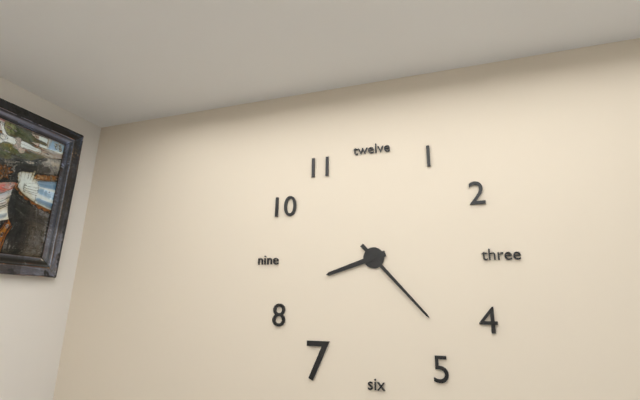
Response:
h=8 m=23
